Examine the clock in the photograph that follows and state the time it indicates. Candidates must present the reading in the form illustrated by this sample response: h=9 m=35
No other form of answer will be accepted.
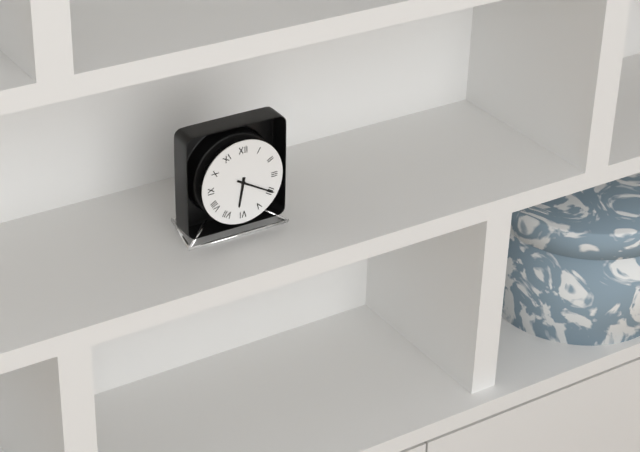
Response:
h=6 m=20
